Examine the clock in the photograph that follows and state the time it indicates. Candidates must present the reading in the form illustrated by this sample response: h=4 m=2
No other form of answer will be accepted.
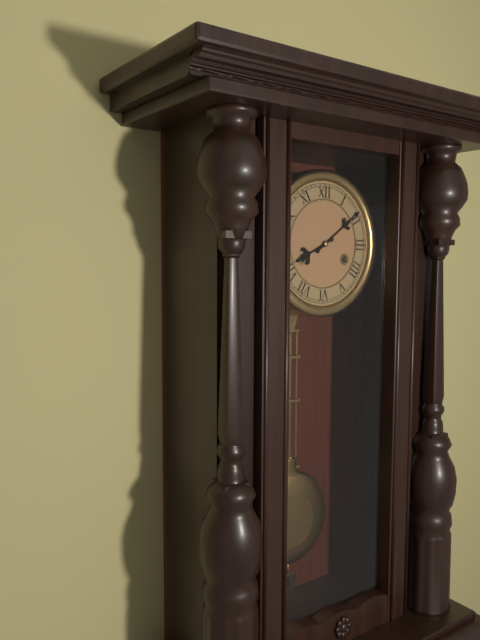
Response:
h=8 m=9
